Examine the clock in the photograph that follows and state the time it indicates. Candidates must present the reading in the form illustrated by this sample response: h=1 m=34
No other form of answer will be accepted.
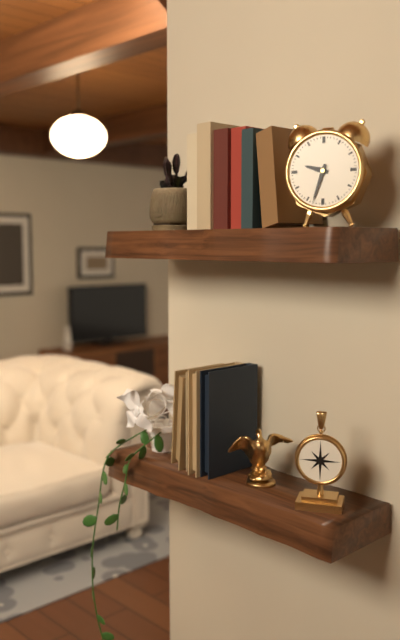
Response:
h=9 m=33
